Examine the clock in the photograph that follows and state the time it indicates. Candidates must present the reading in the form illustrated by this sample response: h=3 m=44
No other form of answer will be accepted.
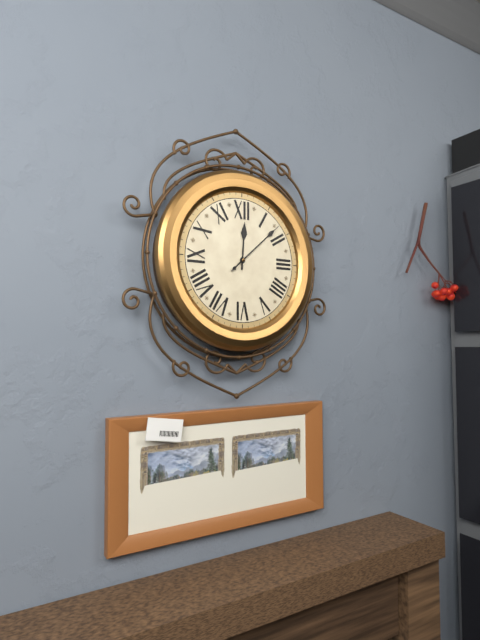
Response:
h=12 m=8
